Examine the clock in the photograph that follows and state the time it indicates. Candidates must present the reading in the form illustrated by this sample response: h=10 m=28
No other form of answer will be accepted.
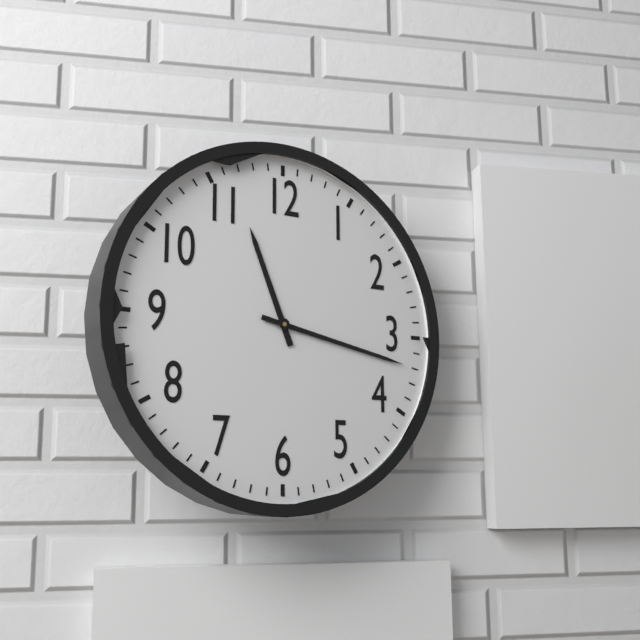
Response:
h=11 m=17
